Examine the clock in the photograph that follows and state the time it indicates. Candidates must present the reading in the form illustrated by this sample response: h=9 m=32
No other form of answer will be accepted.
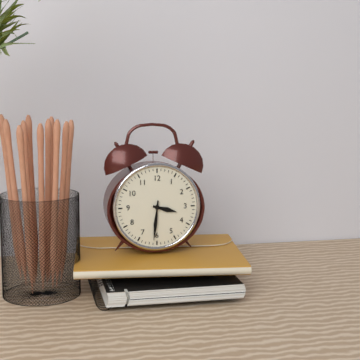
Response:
h=3 m=31
